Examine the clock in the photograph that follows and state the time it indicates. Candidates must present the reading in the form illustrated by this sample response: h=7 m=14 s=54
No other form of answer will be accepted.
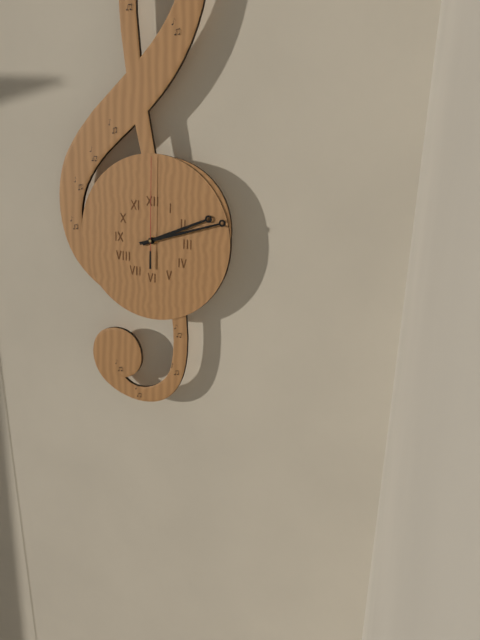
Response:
h=2 m=12 s=0
